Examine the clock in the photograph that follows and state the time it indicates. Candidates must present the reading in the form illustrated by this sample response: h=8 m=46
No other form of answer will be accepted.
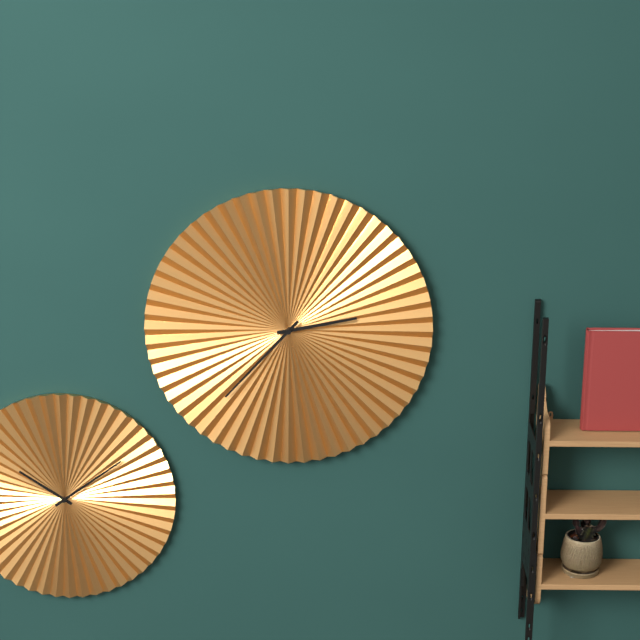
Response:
h=2 m=37
